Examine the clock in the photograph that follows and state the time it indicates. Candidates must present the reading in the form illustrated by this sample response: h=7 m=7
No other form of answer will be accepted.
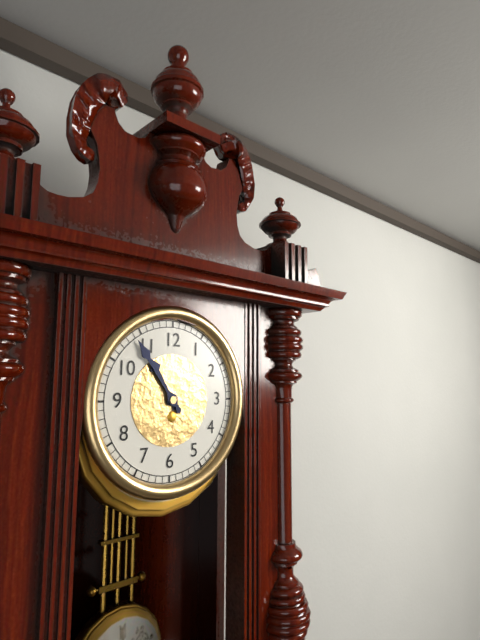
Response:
h=10 m=54
